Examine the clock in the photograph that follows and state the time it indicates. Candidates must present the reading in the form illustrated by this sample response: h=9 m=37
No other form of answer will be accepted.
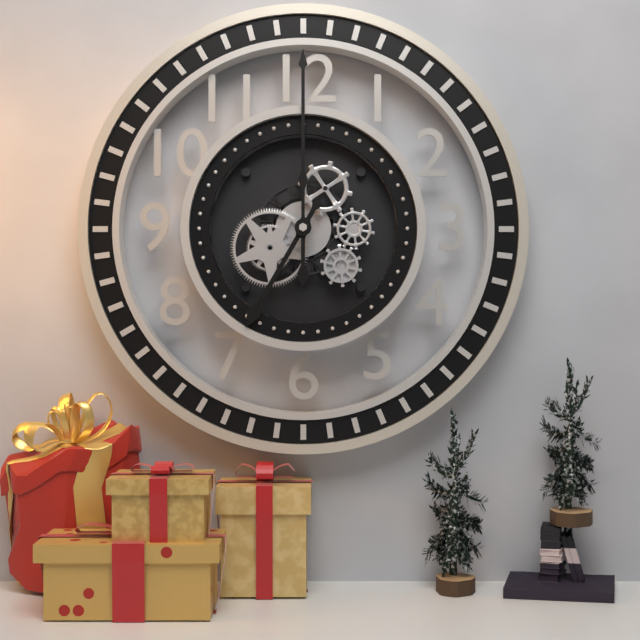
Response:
h=7 m=0
